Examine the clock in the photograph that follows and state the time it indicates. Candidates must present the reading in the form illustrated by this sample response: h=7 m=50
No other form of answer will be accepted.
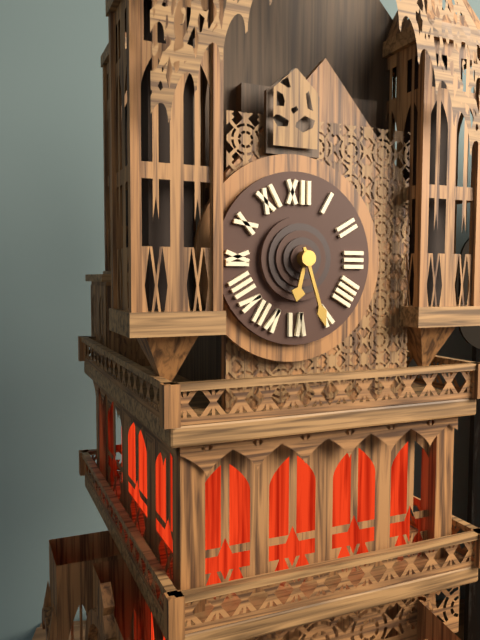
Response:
h=6 m=27
